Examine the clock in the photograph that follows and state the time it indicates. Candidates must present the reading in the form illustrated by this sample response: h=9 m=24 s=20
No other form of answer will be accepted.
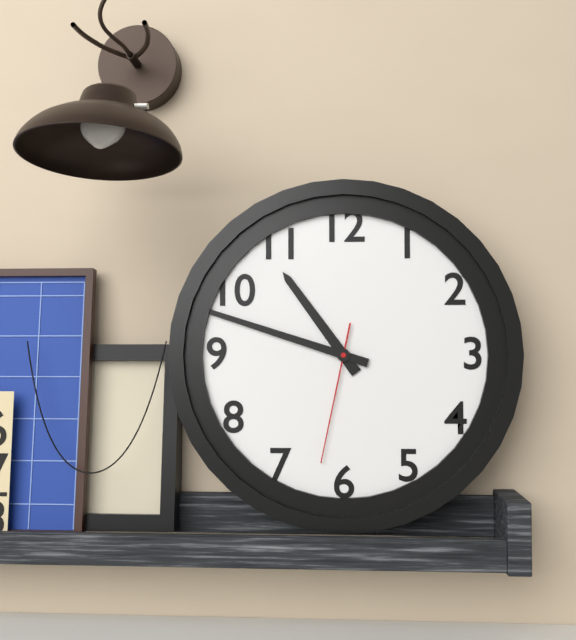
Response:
h=10 m=48 s=32
